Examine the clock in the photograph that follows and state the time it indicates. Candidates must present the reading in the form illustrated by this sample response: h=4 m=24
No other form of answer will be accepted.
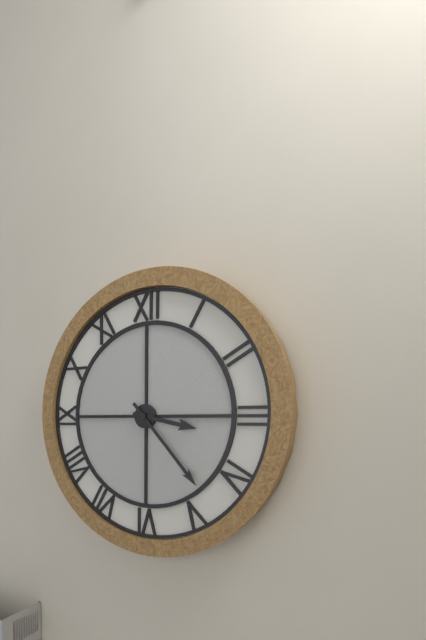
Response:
h=3 m=23
